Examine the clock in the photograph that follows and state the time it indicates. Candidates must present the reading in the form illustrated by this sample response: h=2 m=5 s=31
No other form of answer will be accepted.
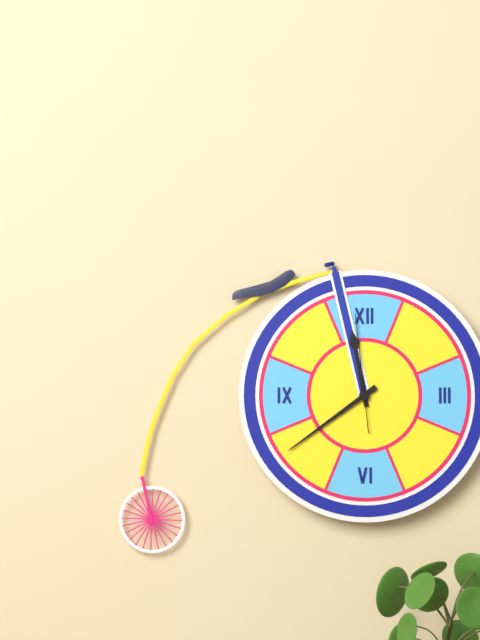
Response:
h=11 m=39 s=59
